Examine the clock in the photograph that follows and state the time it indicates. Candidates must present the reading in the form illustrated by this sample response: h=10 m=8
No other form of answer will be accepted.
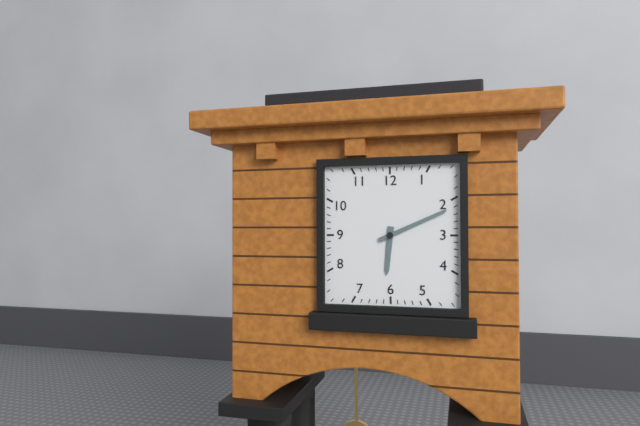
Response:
h=6 m=11
